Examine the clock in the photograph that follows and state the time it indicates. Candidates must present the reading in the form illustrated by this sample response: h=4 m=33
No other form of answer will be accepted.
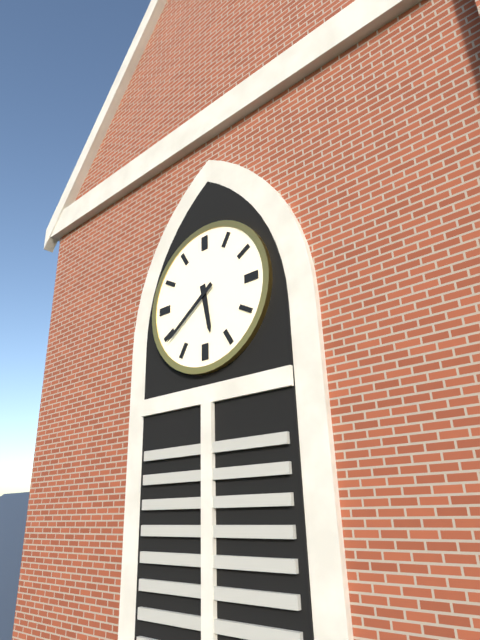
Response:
h=5 m=39
